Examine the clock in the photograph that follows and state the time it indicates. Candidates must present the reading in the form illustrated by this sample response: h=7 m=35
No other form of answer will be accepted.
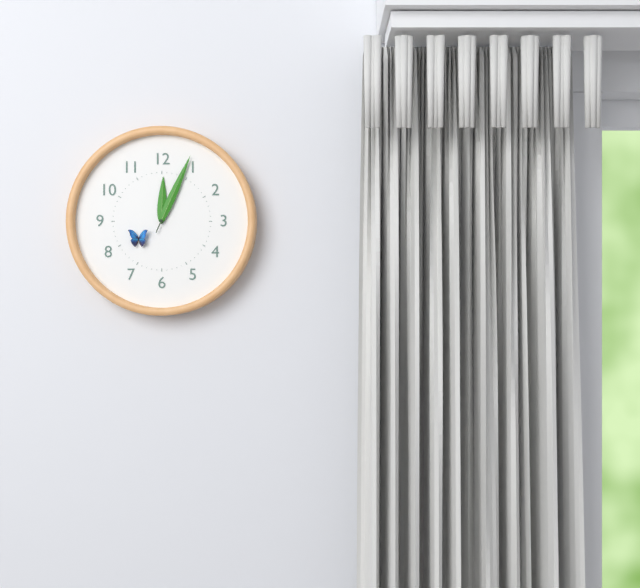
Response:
h=12 m=4
